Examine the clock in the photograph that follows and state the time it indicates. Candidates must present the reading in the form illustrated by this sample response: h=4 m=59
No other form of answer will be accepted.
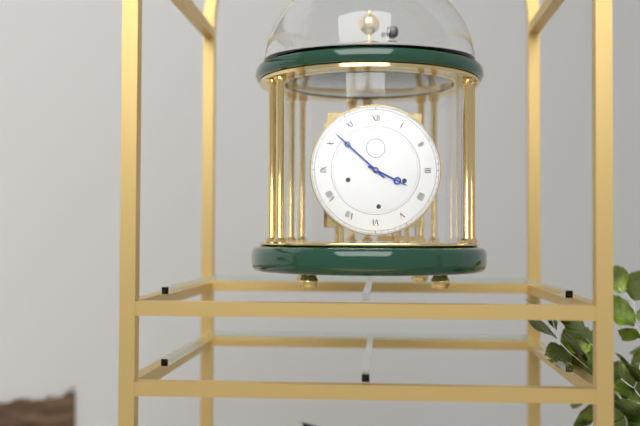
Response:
h=3 m=52
